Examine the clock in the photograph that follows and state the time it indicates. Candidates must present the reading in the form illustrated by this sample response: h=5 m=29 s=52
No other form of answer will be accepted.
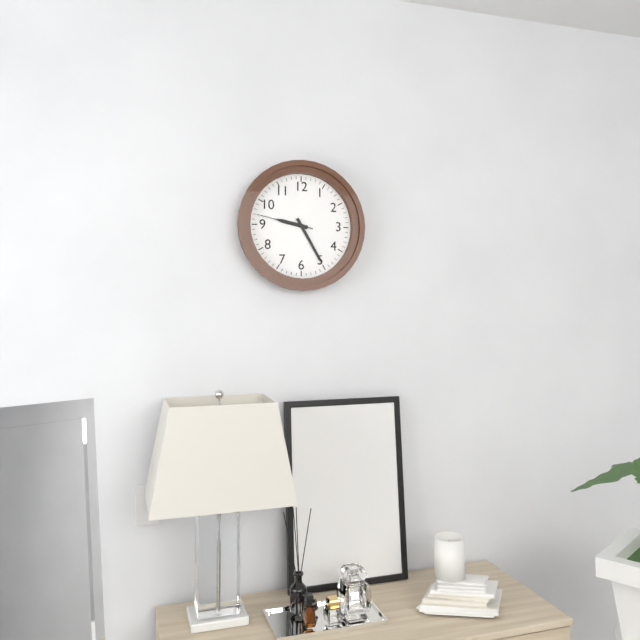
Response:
h=9 m=25 s=47
